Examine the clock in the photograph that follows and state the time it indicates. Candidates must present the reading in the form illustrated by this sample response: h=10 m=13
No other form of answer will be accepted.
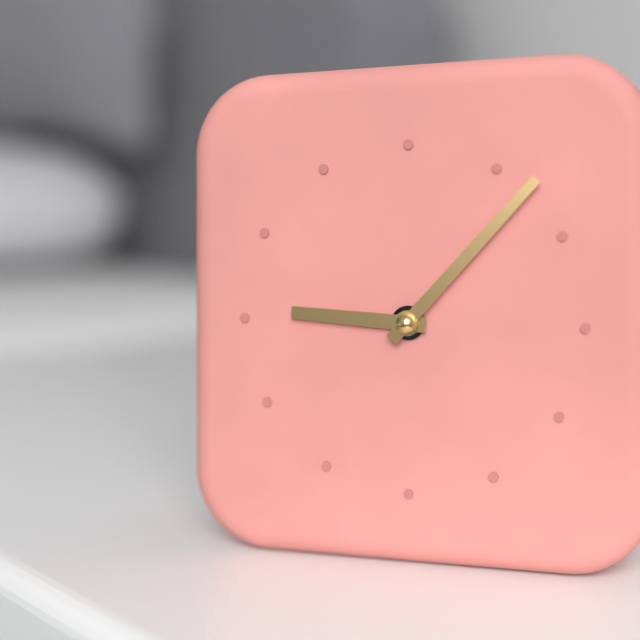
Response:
h=9 m=7
